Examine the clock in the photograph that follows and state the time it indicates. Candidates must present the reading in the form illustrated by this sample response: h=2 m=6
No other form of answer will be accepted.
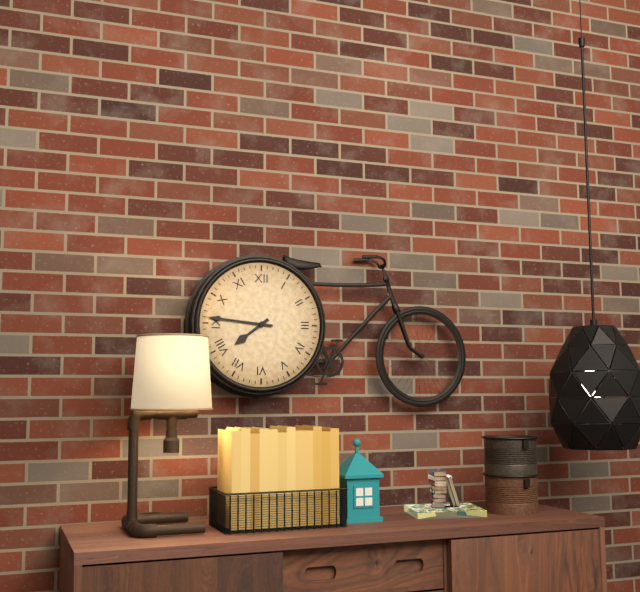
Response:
h=7 m=46
